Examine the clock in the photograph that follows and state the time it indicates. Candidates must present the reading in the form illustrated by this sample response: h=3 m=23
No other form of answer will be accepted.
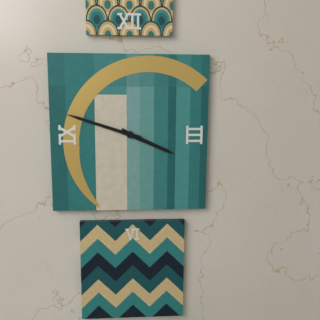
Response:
h=3 m=48
